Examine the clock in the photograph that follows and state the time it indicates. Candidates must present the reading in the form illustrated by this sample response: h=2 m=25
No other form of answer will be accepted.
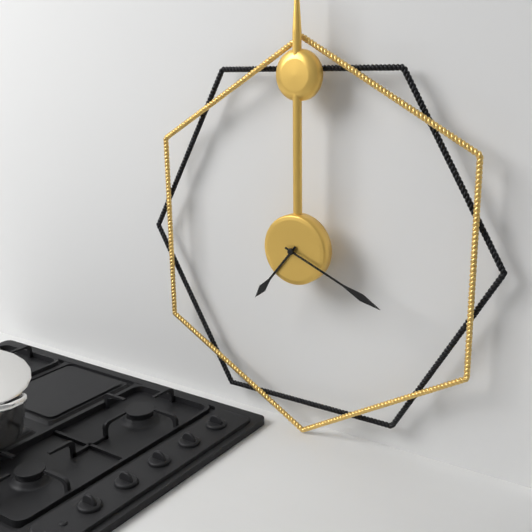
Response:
h=7 m=19
